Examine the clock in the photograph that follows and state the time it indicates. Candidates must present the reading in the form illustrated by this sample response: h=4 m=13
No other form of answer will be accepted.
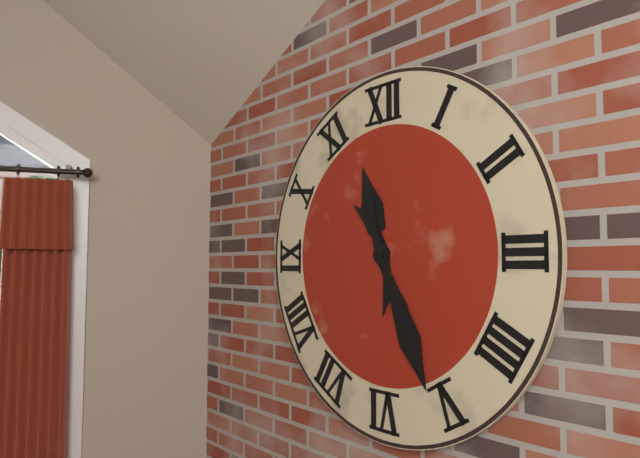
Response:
h=11 m=26
